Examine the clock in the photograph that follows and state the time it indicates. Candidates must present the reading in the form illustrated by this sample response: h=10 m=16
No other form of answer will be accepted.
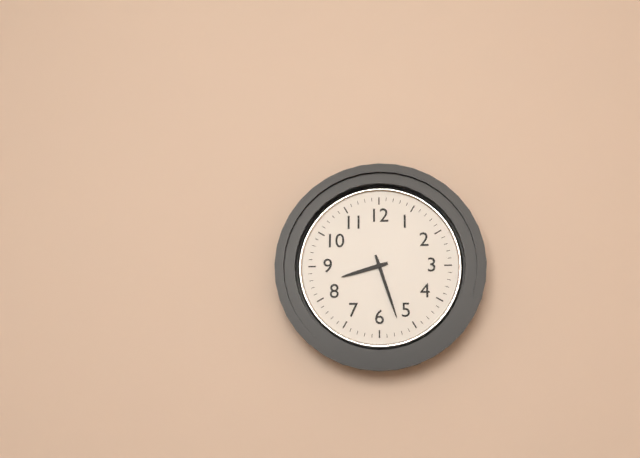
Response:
h=8 m=27
